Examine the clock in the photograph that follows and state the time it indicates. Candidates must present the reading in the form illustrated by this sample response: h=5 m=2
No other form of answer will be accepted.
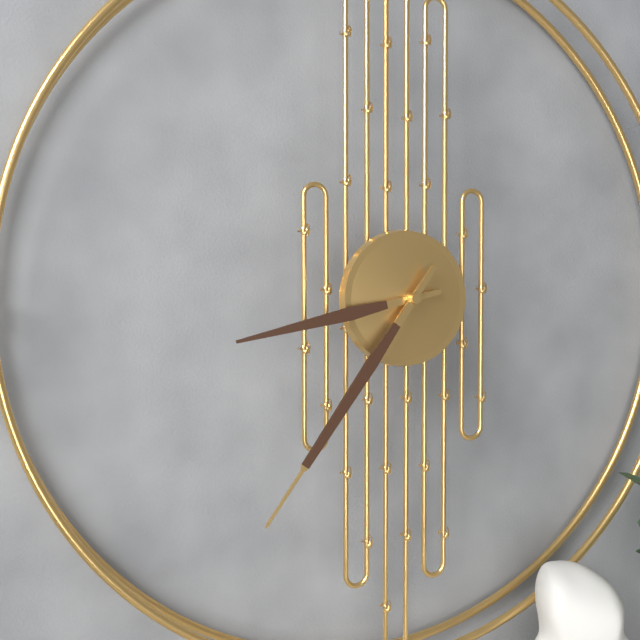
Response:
h=8 m=36
